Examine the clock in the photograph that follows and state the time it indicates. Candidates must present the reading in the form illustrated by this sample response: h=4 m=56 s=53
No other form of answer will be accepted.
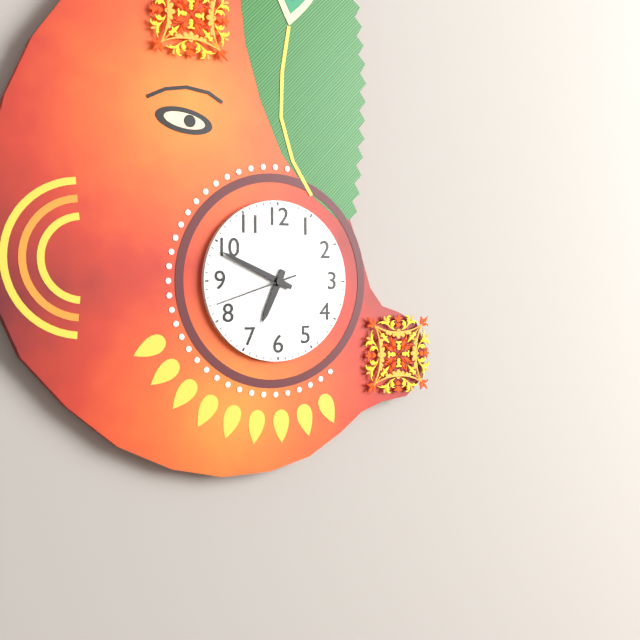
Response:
h=6 m=49 s=42
